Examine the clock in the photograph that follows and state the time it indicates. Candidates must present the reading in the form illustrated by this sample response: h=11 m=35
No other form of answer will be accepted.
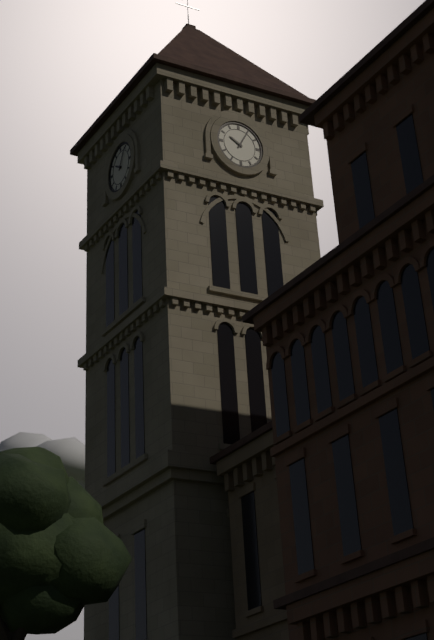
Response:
h=10 m=5
